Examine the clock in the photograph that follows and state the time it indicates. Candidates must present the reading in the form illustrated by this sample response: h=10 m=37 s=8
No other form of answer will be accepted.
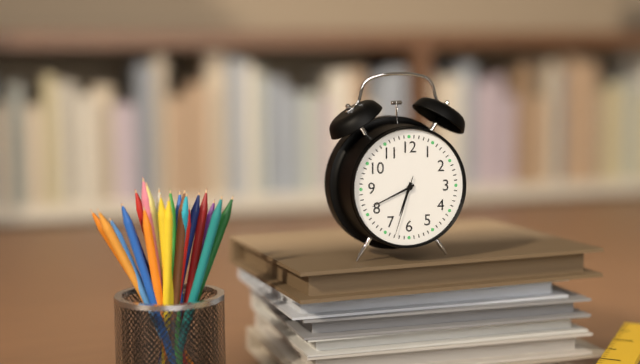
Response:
h=6 m=41 s=33
